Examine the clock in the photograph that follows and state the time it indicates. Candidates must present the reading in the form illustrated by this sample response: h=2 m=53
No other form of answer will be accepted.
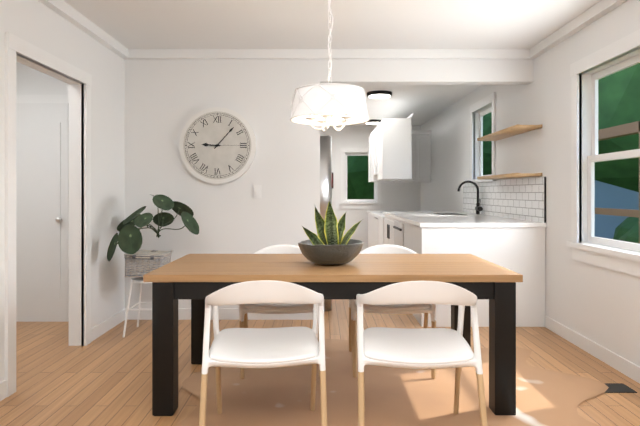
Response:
h=9 m=7
